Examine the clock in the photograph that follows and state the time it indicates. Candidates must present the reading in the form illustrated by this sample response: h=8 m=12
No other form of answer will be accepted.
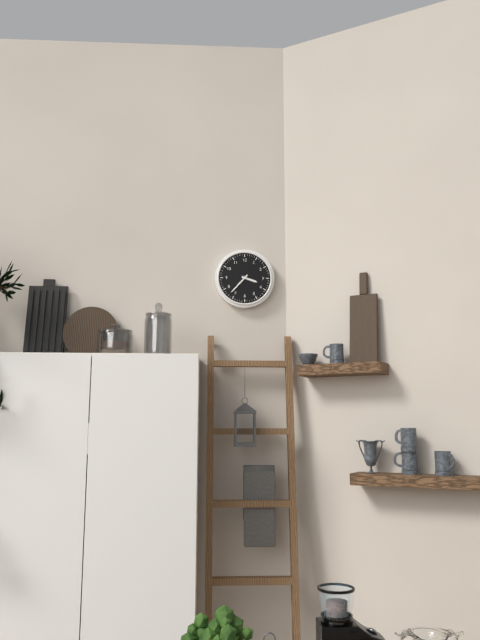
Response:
h=3 m=37
